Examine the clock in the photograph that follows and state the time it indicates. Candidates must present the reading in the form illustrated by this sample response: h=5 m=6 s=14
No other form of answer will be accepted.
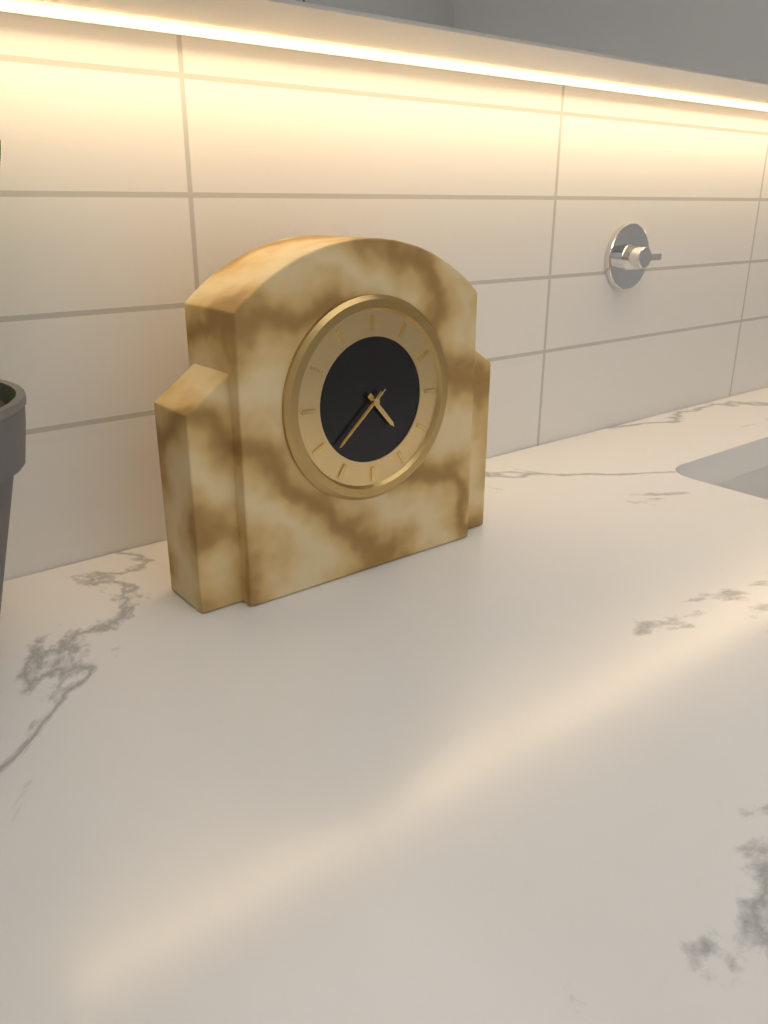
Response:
h=4 m=38 s=38
